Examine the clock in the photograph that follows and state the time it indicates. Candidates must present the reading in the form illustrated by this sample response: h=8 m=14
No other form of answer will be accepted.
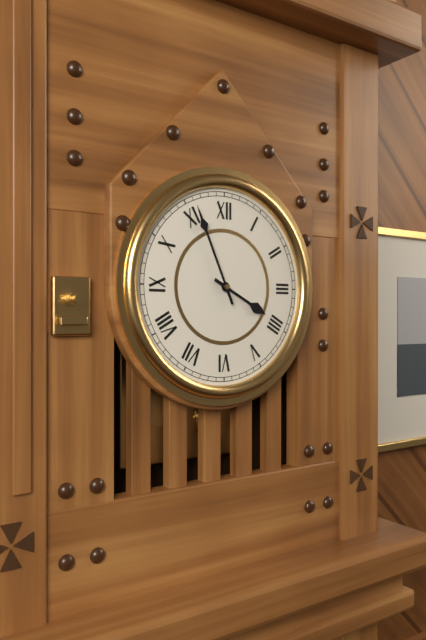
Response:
h=3 m=56
